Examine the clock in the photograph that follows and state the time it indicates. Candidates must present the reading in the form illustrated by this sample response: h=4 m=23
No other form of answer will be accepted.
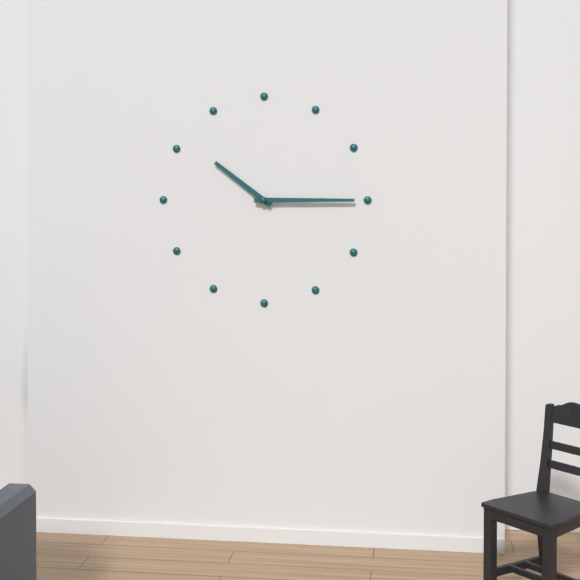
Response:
h=10 m=15
